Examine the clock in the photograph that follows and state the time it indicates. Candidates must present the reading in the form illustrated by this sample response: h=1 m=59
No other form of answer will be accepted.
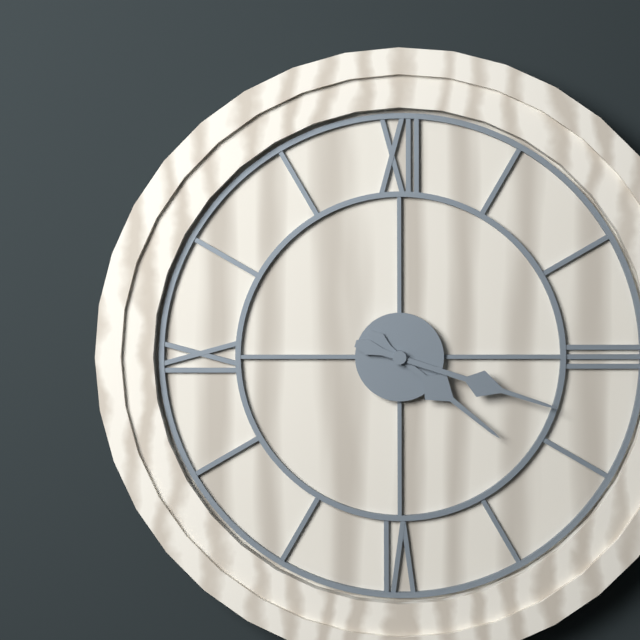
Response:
h=4 m=18
